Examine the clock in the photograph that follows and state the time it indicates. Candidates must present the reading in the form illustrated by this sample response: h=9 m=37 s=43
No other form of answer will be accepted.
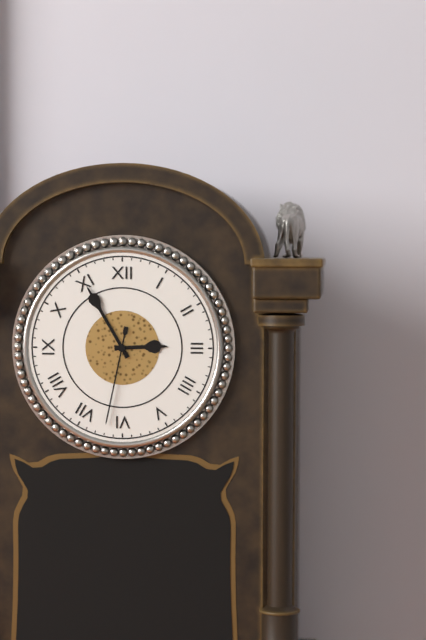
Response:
h=2 m=55 s=32
